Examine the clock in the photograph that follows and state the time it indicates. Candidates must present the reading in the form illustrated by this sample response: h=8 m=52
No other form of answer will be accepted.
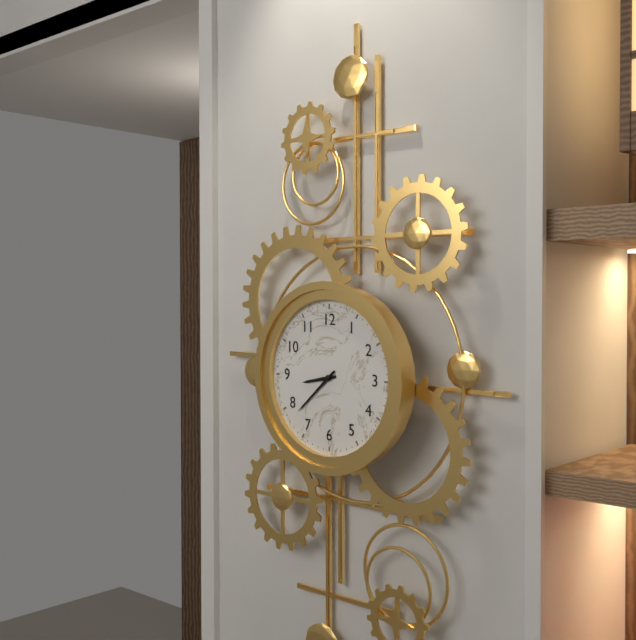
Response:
h=8 m=38
